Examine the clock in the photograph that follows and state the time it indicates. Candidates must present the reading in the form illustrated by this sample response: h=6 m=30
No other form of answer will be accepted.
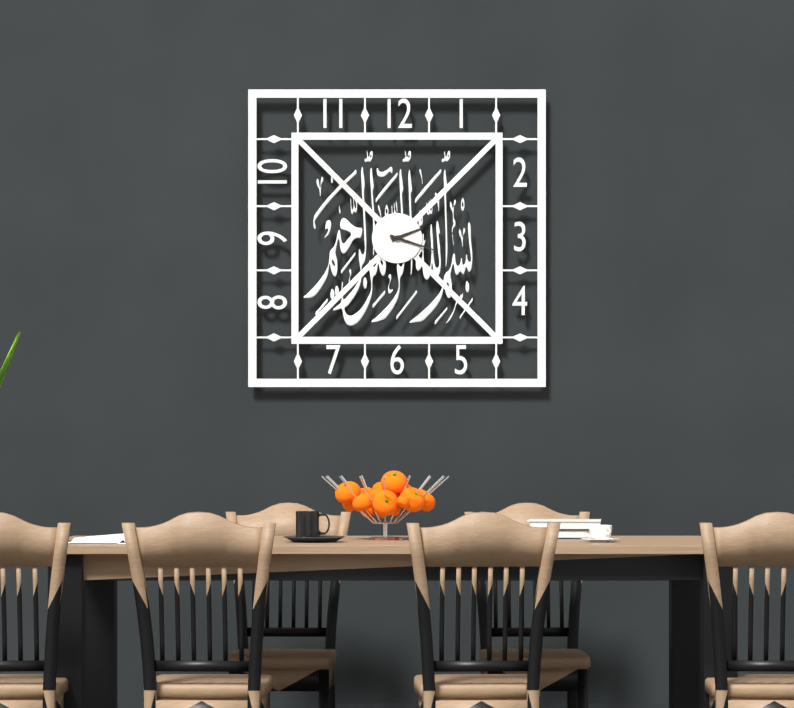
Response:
h=2 m=18
